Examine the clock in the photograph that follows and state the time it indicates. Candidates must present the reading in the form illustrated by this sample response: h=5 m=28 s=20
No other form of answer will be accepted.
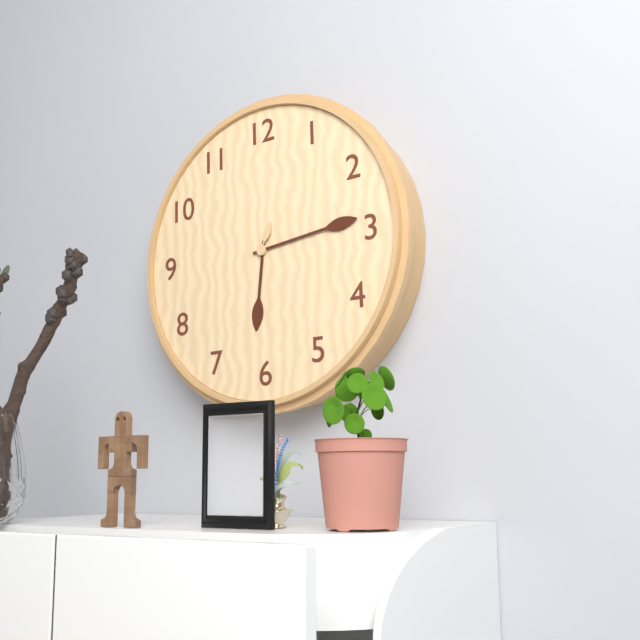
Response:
h=6 m=14 s=4
